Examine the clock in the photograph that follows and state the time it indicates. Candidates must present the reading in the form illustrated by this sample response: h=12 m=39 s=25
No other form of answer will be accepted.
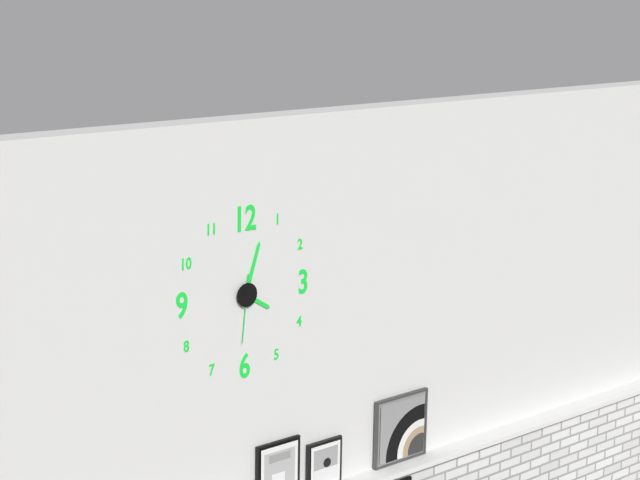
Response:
h=4 m=3 s=31
